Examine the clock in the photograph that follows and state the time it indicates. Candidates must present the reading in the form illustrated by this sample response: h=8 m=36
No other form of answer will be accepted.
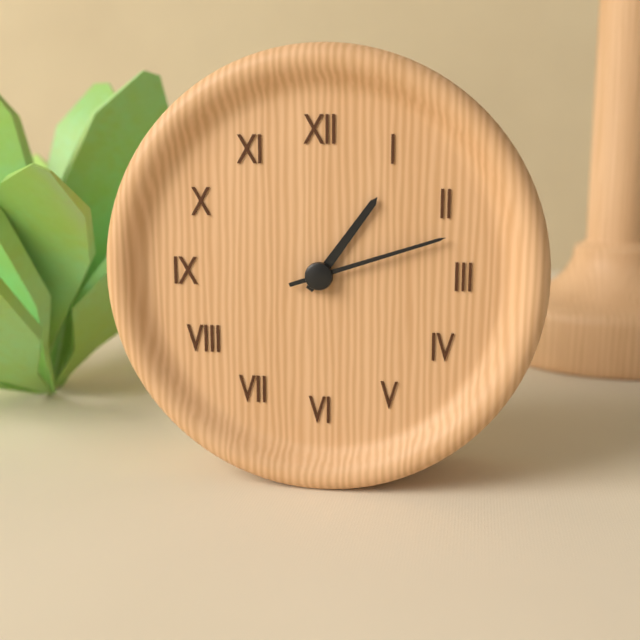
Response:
h=1 m=12
